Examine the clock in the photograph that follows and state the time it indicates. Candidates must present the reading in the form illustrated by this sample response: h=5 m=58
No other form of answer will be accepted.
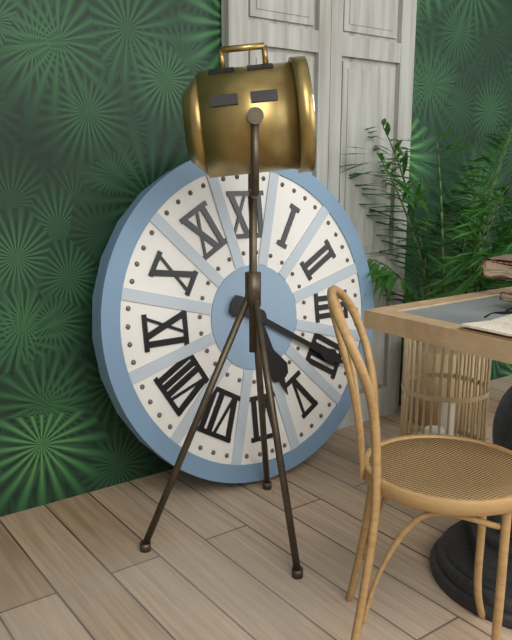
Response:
h=5 m=20
